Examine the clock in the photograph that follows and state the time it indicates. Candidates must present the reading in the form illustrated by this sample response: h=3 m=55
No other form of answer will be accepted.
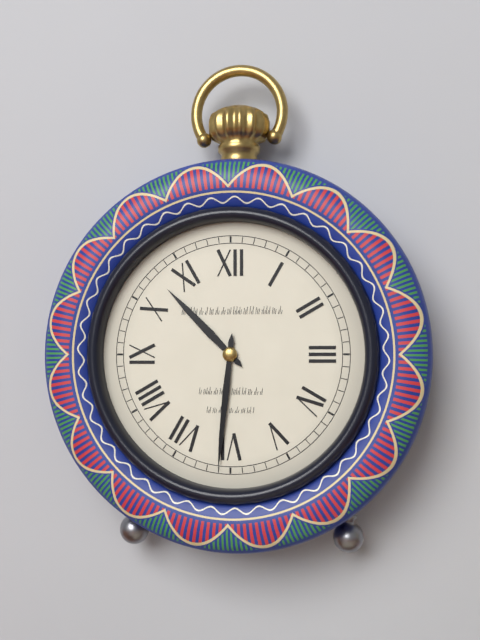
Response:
h=10 m=31
